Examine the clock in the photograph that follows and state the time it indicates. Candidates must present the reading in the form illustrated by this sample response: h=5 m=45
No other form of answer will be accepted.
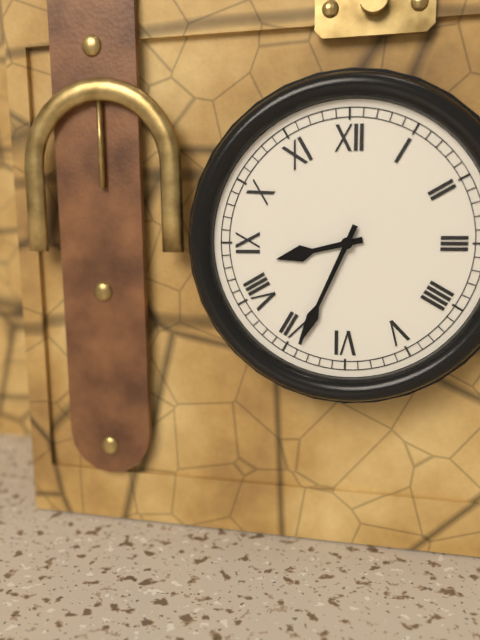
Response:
h=8 m=34
